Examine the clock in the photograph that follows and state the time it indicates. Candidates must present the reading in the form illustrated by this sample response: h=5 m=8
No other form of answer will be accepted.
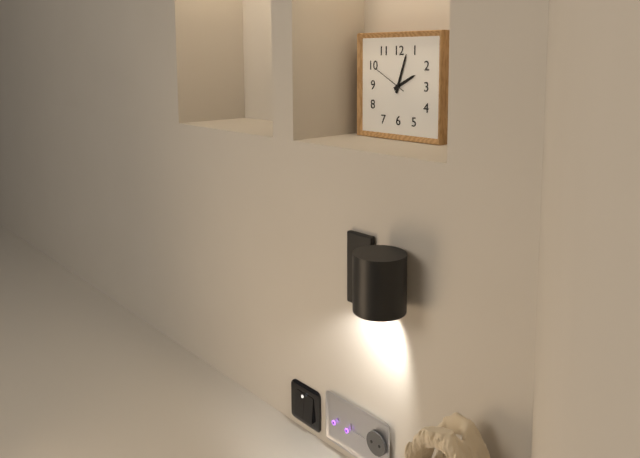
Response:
h=2 m=3
